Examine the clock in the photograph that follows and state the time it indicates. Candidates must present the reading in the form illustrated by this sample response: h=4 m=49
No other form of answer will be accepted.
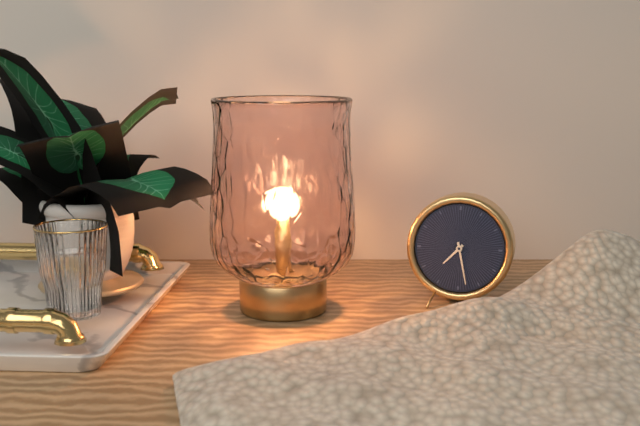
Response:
h=7 m=28
